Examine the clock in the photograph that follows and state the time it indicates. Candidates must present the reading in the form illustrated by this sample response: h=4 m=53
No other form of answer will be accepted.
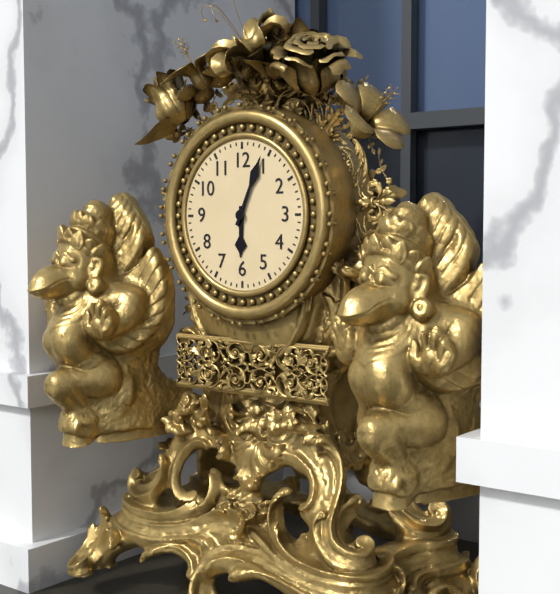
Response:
h=6 m=4
